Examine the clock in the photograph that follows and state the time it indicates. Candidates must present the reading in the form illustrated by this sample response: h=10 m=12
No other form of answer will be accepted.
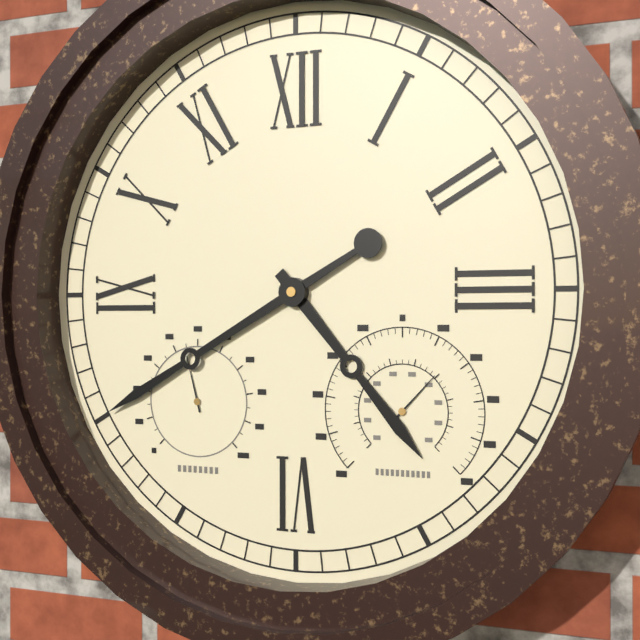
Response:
h=4 m=40
